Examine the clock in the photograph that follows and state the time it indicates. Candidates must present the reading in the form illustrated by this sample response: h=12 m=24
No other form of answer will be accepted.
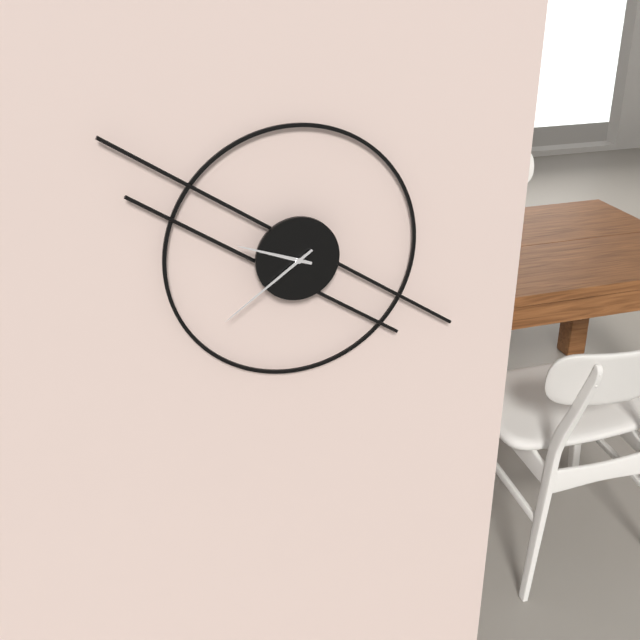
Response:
h=9 m=39
